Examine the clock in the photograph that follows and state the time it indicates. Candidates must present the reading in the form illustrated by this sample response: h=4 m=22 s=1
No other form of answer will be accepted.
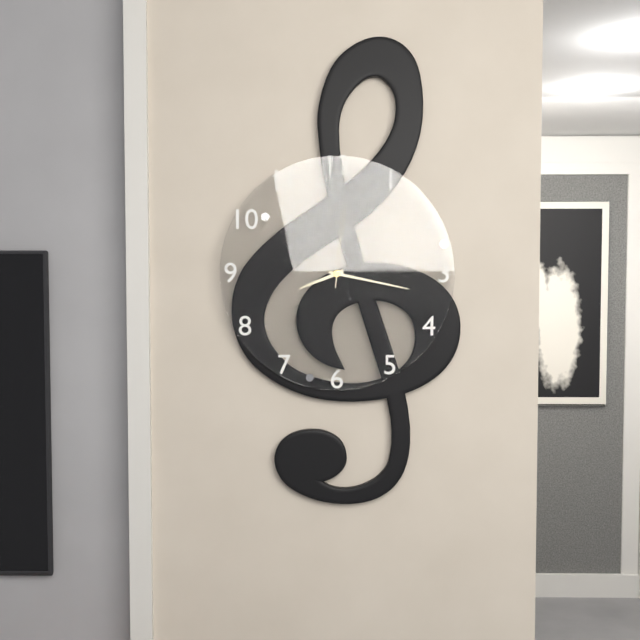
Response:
h=8 m=17 s=1
